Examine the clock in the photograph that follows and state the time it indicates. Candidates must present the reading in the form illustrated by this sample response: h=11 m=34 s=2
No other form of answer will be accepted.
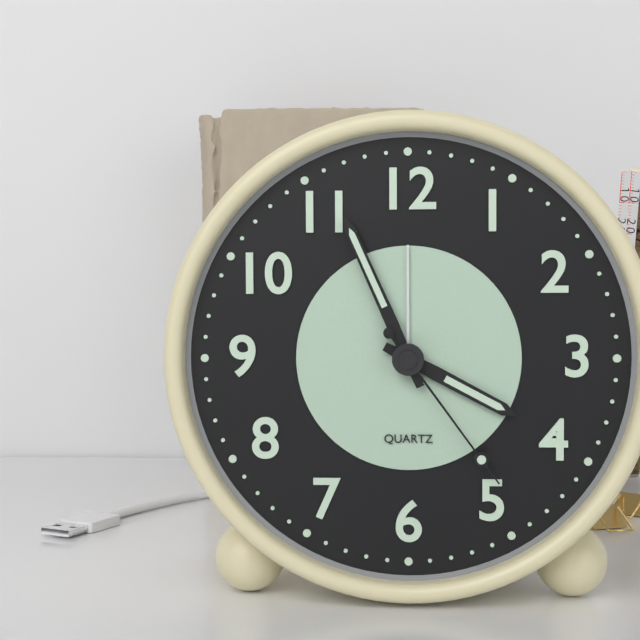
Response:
h=3 m=56 s=24
